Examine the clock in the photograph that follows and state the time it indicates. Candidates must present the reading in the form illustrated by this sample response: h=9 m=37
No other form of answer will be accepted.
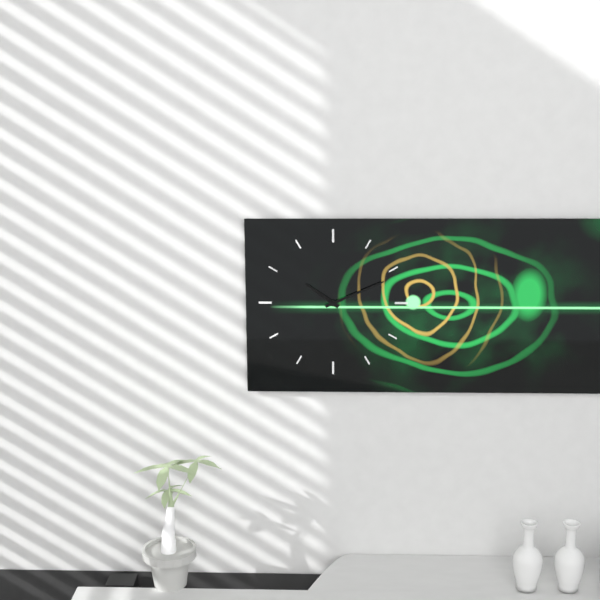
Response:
h=10 m=11
